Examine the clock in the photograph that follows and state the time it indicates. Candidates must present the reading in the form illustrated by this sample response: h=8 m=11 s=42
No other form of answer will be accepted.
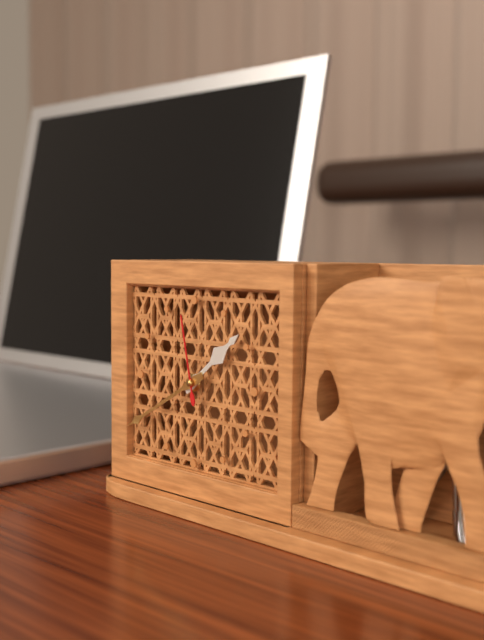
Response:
h=1 m=40 s=58
